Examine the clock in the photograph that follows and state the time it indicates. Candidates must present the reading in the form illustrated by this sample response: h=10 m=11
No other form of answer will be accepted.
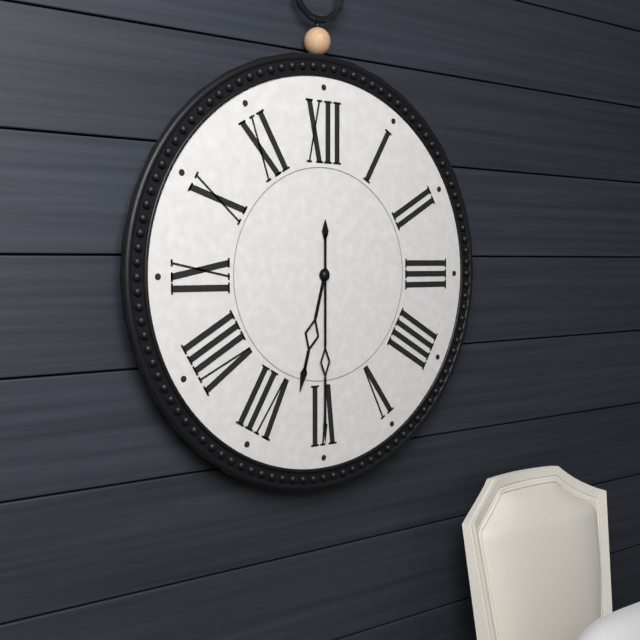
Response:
h=6 m=30
